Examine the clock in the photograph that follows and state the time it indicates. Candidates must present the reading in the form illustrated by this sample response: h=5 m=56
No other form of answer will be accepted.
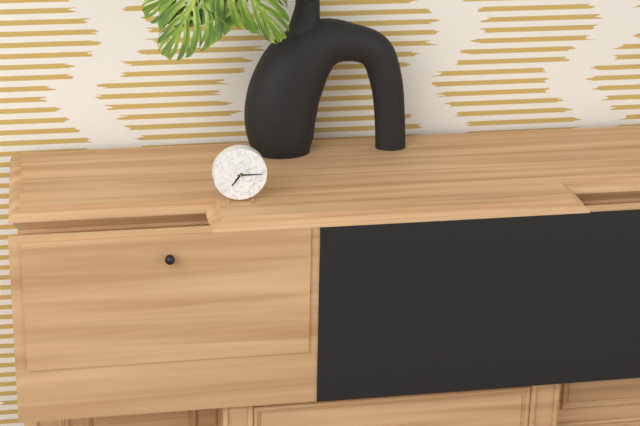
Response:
h=7 m=15
